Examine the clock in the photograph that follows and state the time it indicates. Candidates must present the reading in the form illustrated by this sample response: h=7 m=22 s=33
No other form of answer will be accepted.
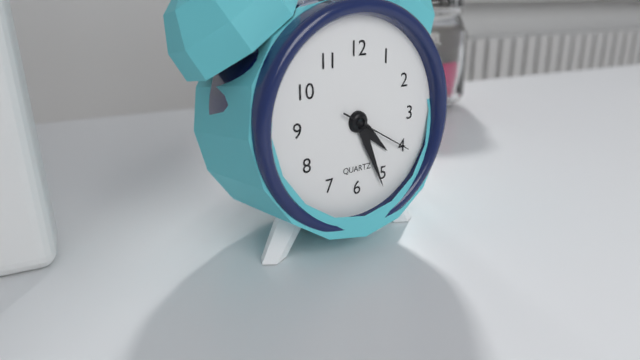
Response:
h=4 m=26 s=20
